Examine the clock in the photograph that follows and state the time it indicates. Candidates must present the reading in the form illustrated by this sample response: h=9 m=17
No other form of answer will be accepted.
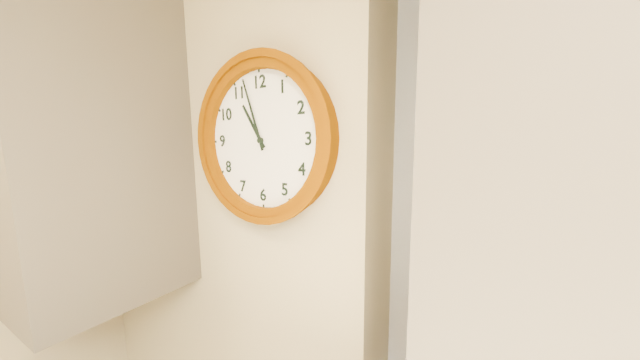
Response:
h=10 m=57
